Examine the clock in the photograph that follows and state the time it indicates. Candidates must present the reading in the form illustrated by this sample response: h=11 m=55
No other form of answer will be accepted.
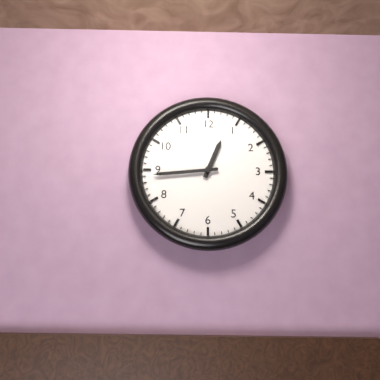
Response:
h=12 m=44
